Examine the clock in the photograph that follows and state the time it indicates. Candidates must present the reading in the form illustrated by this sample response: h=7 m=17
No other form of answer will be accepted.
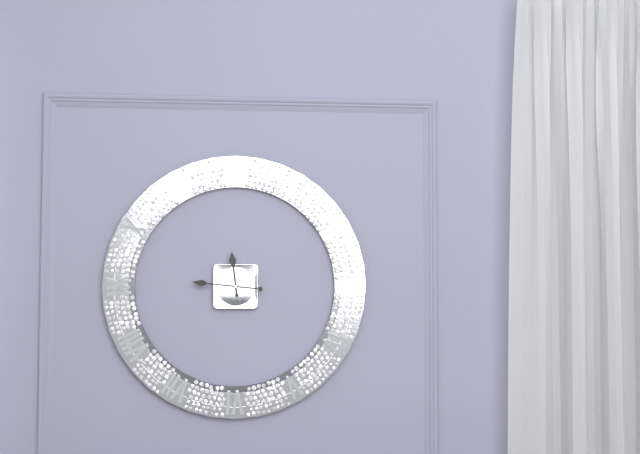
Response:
h=11 m=46
